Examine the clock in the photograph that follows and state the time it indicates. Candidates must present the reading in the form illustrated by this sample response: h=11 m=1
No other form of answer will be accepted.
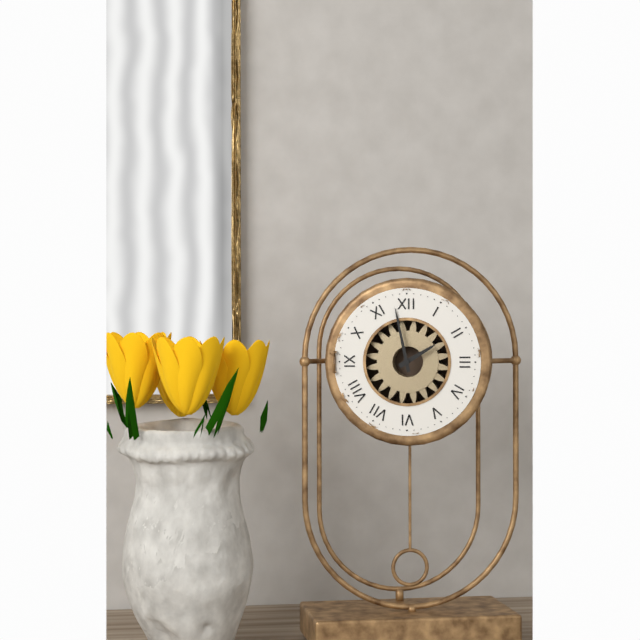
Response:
h=1 m=58
